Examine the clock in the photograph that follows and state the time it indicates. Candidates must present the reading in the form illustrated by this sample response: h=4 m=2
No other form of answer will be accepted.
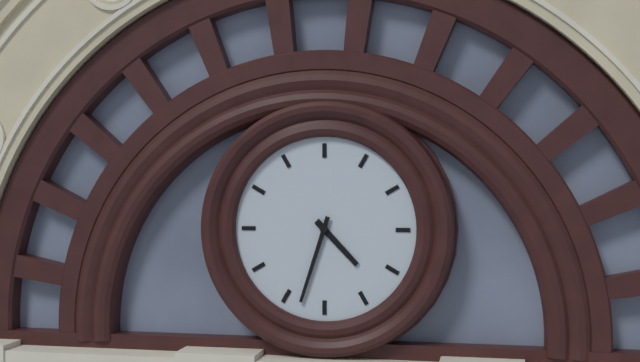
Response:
h=4 m=33
